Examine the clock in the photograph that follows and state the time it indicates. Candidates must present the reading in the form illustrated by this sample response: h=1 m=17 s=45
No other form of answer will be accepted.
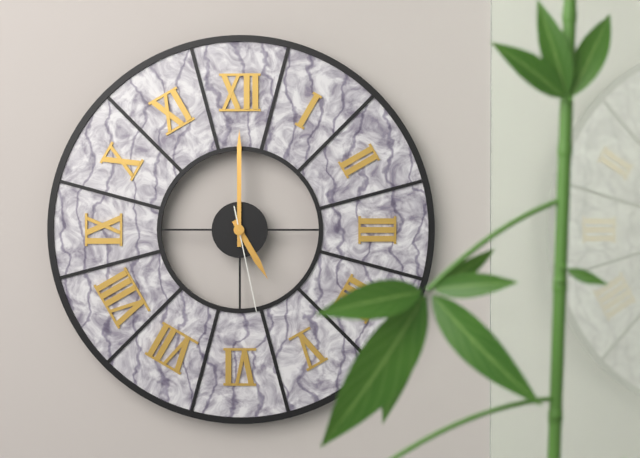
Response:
h=5 m=0 s=28
